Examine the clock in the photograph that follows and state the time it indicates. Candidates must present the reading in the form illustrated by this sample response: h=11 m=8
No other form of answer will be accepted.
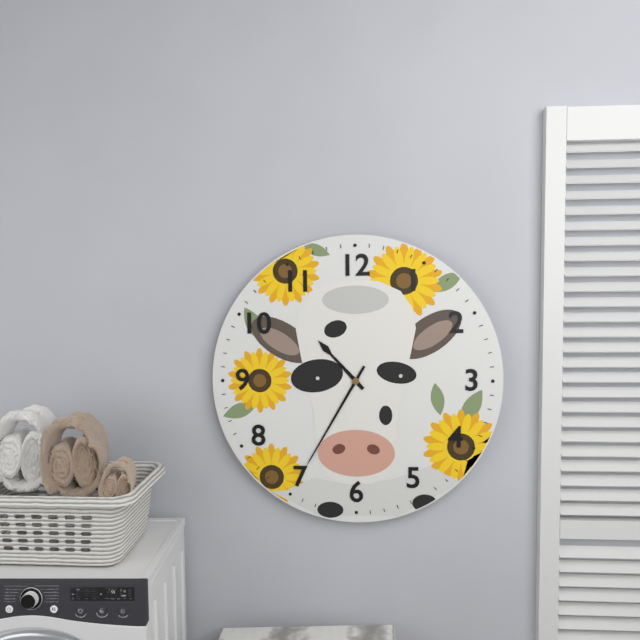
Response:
h=10 m=35
